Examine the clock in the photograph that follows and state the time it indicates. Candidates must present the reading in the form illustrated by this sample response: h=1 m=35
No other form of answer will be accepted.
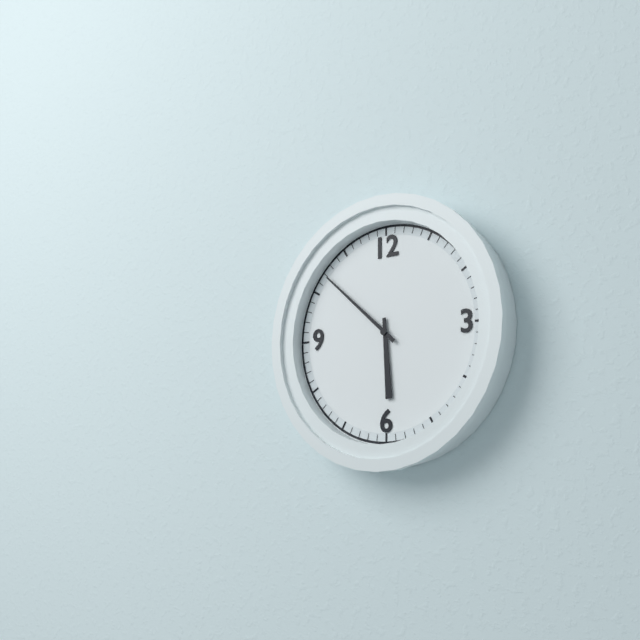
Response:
h=5 m=52
